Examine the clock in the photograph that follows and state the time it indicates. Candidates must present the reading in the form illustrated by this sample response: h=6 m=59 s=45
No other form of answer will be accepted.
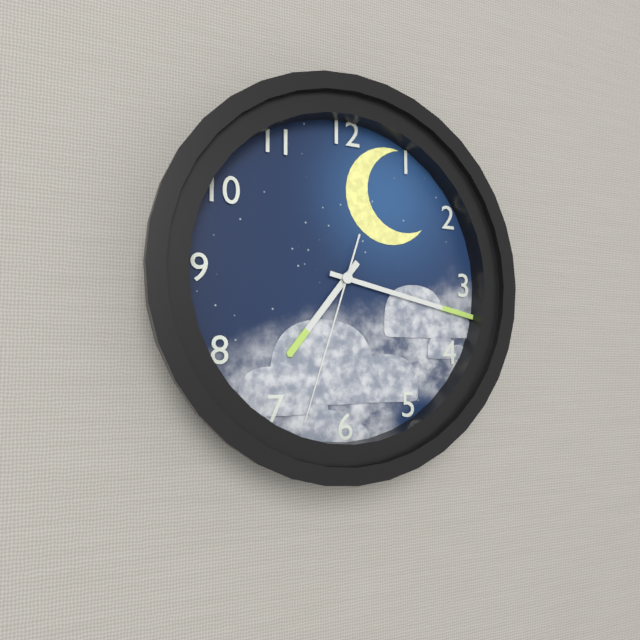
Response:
h=7 m=17 s=33
